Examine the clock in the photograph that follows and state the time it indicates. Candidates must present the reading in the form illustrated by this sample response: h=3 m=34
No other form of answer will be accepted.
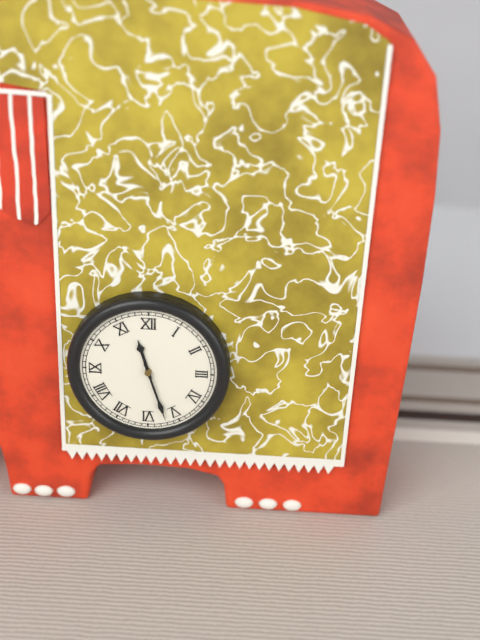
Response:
h=11 m=27
